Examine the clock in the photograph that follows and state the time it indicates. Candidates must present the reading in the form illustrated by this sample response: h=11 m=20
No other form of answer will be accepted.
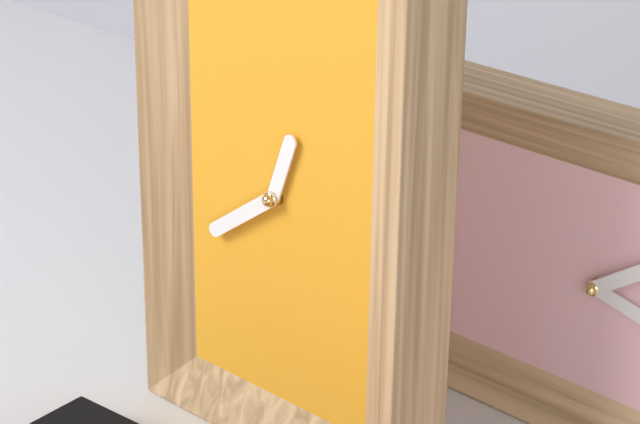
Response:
h=12 m=39
